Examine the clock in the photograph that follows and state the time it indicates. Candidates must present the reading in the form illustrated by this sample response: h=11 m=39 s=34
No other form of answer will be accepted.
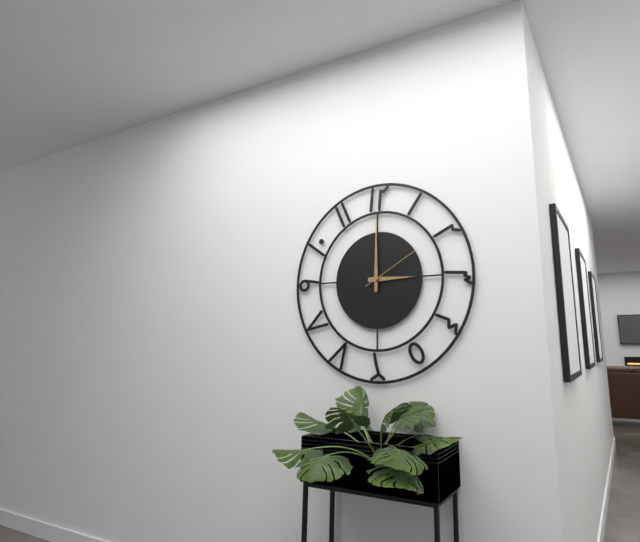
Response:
h=3 m=0 s=10
